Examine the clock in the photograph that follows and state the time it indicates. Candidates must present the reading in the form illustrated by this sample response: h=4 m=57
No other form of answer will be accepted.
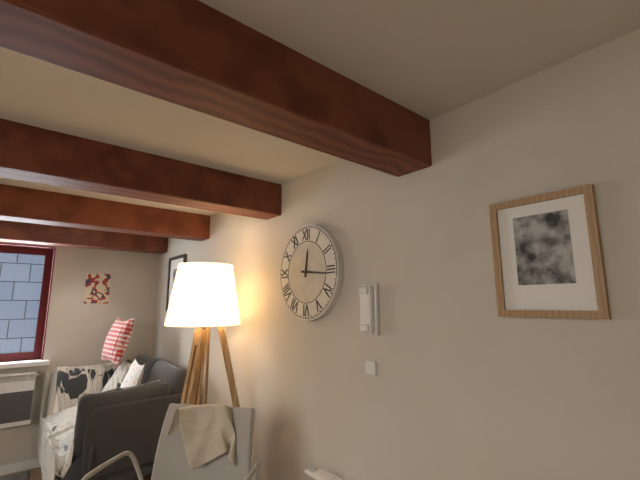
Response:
h=12 m=16
